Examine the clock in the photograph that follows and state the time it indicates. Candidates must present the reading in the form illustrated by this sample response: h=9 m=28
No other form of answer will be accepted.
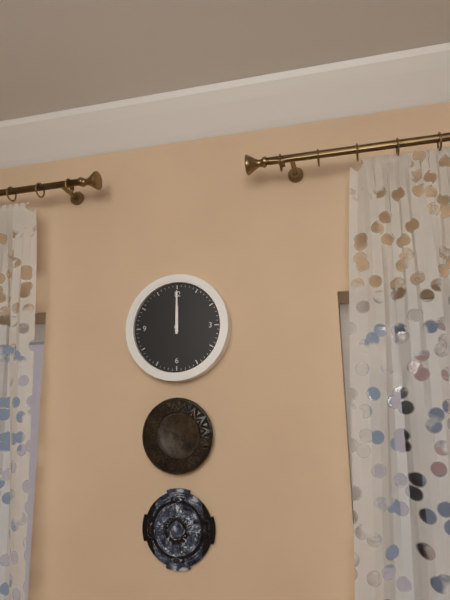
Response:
h=12 m=0
